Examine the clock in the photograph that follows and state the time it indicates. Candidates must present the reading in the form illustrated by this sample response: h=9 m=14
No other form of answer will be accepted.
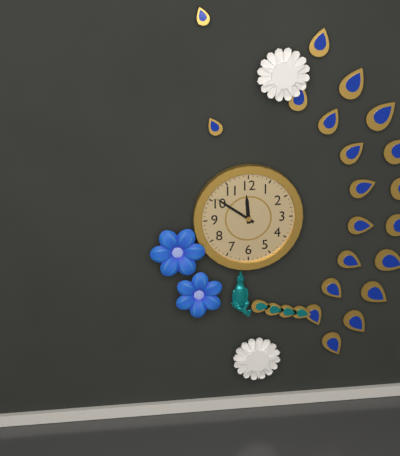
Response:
h=11 m=51
